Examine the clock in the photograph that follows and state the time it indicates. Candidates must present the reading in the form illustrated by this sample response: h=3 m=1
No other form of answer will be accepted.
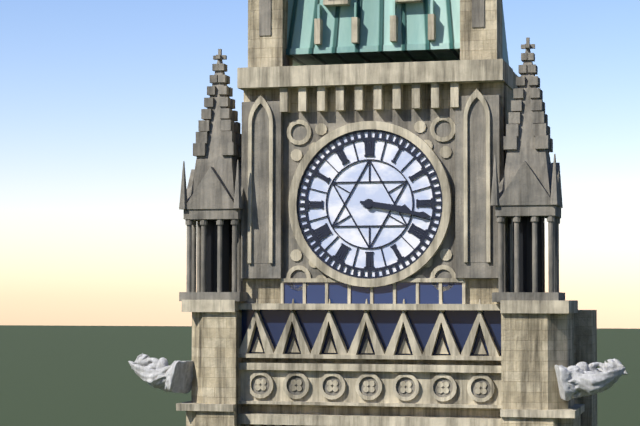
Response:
h=3 m=17
